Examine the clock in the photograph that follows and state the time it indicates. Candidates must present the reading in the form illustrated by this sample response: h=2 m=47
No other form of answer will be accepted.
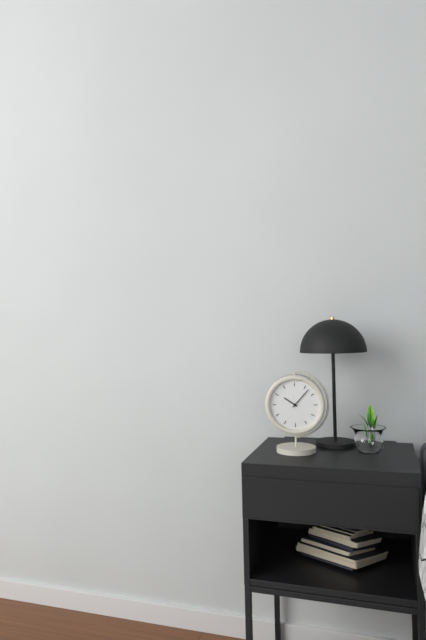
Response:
h=10 m=7
